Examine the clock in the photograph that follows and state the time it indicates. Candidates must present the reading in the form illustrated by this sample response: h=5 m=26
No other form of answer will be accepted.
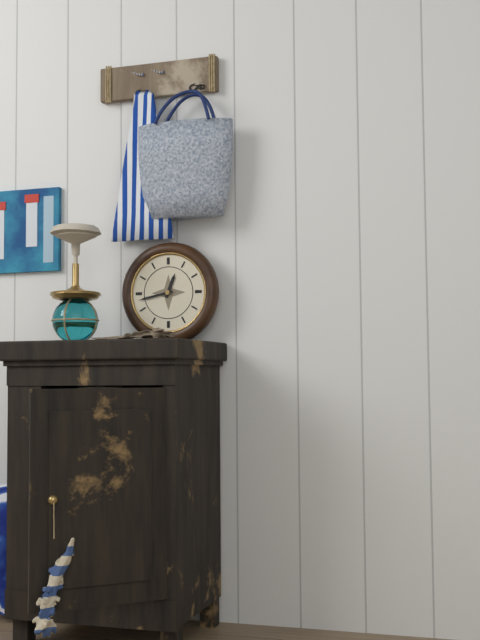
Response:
h=12 m=43
